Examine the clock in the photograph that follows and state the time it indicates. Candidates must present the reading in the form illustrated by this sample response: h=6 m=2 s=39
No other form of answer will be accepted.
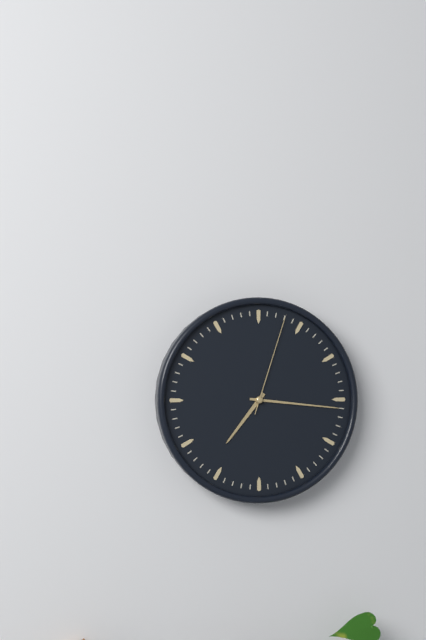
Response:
h=7 m=16 s=3
